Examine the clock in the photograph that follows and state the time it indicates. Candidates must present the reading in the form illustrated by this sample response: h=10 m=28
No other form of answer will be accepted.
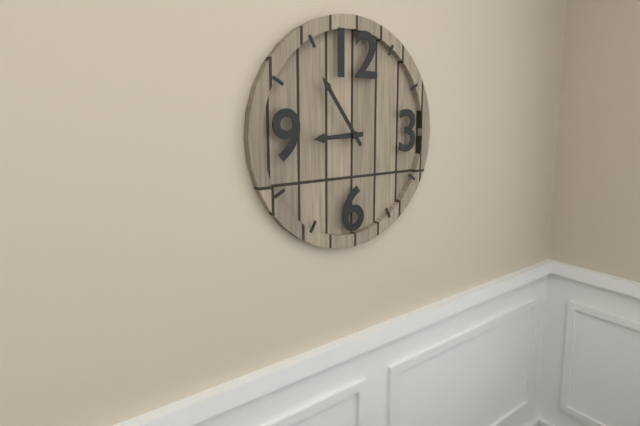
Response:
h=8 m=54
